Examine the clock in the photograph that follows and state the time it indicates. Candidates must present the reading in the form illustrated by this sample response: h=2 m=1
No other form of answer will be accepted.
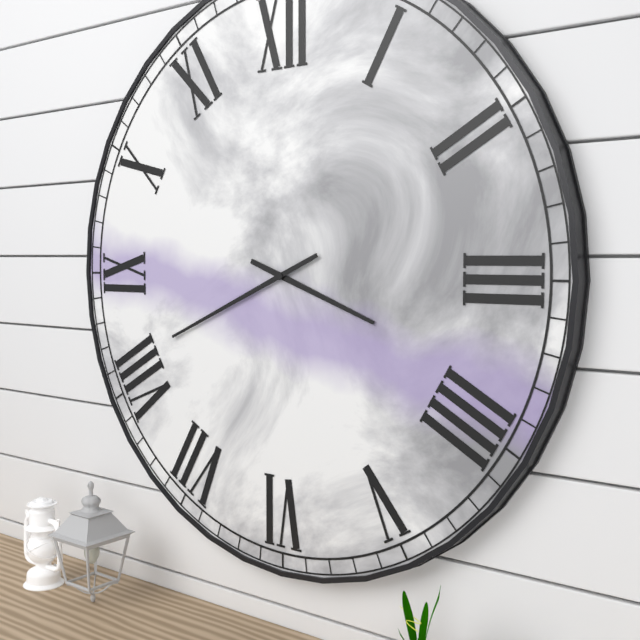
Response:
h=3 m=41
